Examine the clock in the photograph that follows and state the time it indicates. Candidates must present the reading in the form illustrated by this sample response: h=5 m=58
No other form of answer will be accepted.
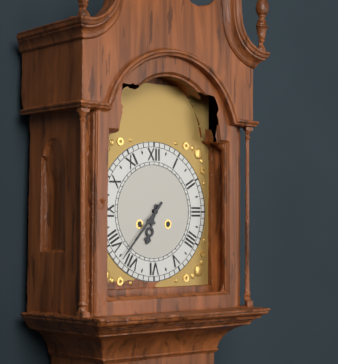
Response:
h=6 m=37
